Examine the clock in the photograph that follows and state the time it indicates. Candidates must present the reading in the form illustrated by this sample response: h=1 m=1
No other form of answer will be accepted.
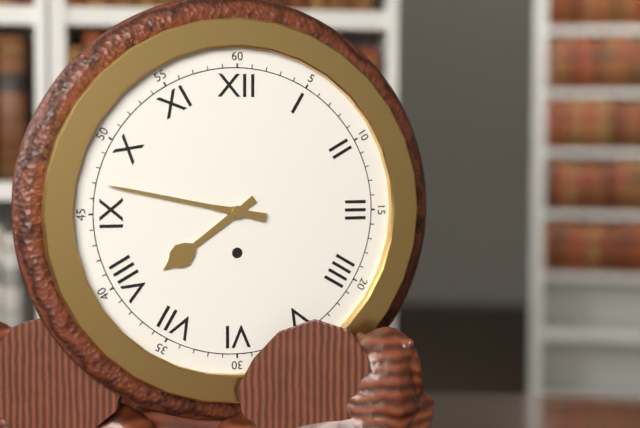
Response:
h=7 m=47
